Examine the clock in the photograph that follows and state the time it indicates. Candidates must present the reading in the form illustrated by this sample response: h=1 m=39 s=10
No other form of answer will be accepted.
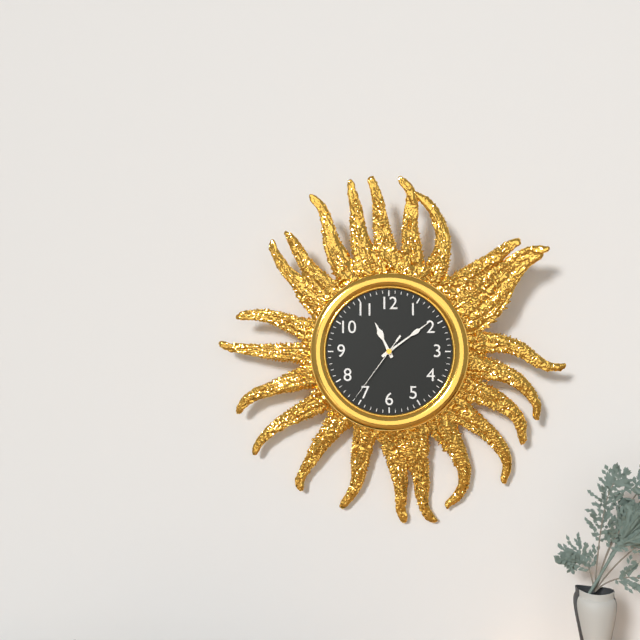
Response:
h=11 m=9 s=36
